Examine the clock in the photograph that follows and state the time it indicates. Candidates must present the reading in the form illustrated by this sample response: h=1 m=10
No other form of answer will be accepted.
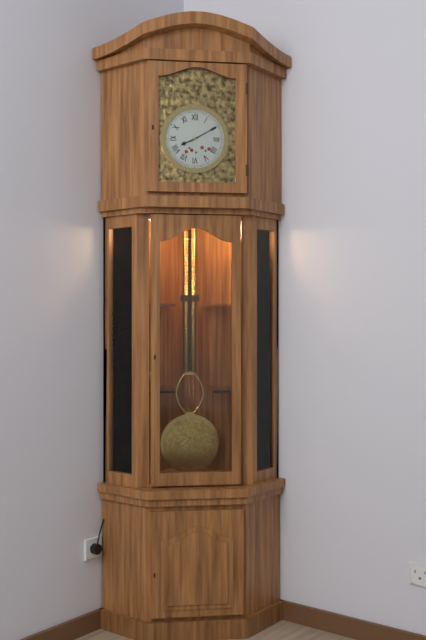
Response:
h=8 m=10
